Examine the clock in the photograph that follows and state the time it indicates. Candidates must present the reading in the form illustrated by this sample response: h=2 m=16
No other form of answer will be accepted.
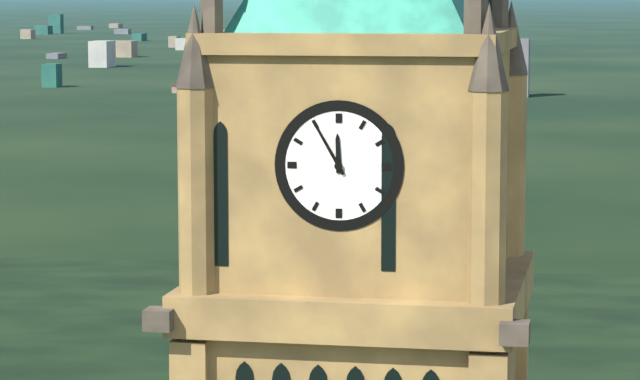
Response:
h=11 m=55
